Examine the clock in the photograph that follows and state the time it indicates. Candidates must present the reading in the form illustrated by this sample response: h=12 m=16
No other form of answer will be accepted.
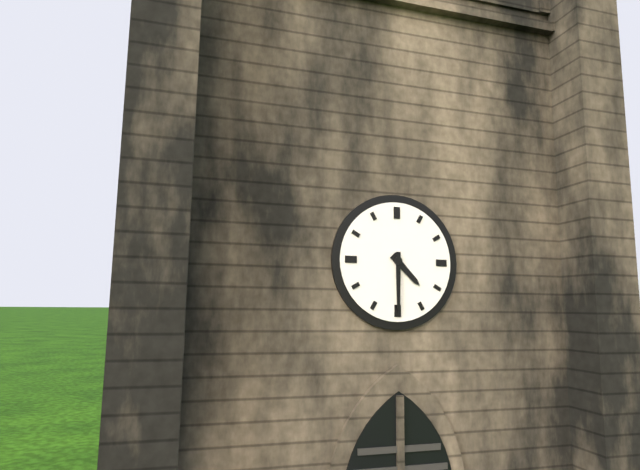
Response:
h=4 m=30
